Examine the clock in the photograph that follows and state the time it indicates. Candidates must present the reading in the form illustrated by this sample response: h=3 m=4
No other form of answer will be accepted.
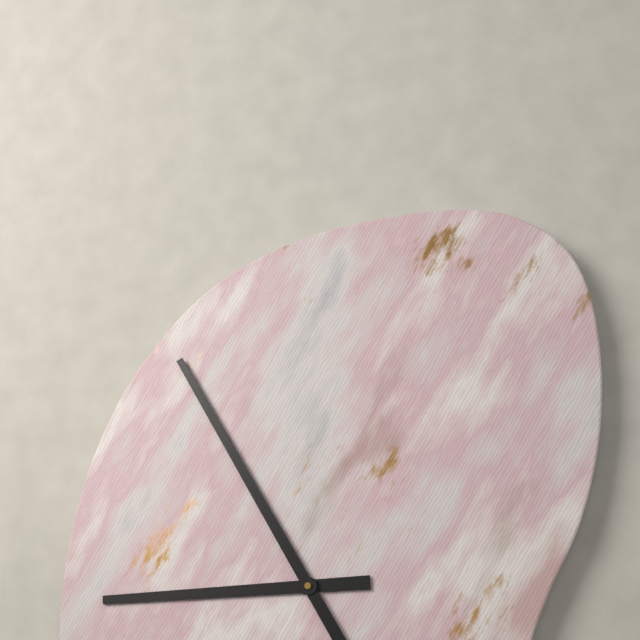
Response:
h=8 m=55
